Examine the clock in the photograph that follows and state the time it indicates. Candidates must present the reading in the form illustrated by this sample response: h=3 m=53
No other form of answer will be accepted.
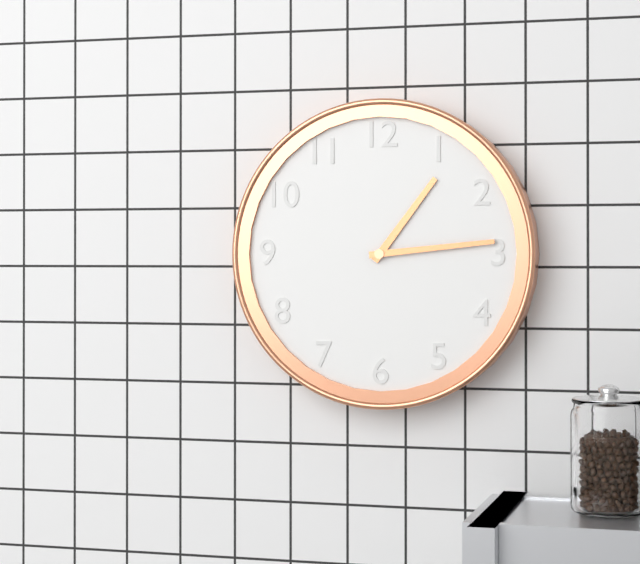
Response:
h=1 m=14
